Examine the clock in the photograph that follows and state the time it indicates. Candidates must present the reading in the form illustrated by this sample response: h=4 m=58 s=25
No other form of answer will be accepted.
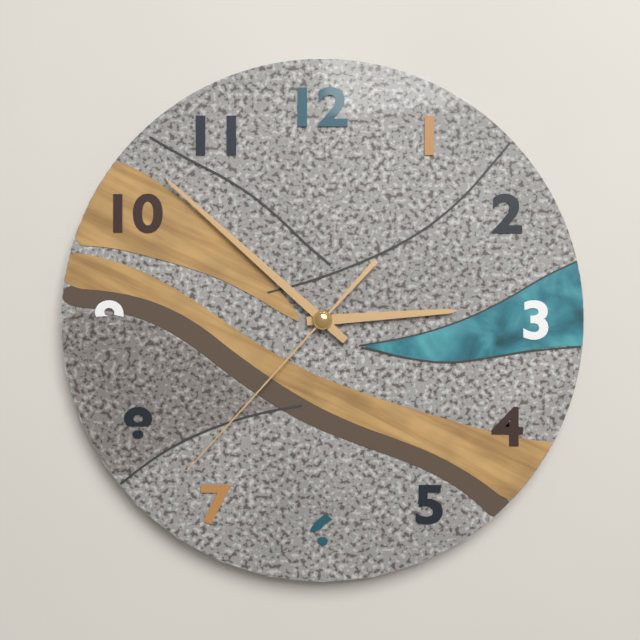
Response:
h=2 m=52 s=37
